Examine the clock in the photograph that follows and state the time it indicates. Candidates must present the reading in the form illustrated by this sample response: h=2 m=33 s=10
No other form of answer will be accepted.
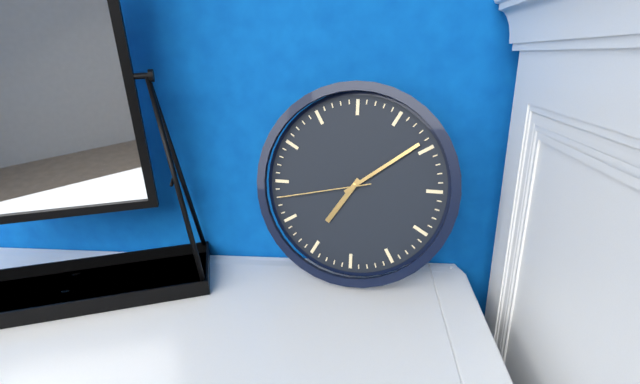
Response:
h=7 m=9 s=43
